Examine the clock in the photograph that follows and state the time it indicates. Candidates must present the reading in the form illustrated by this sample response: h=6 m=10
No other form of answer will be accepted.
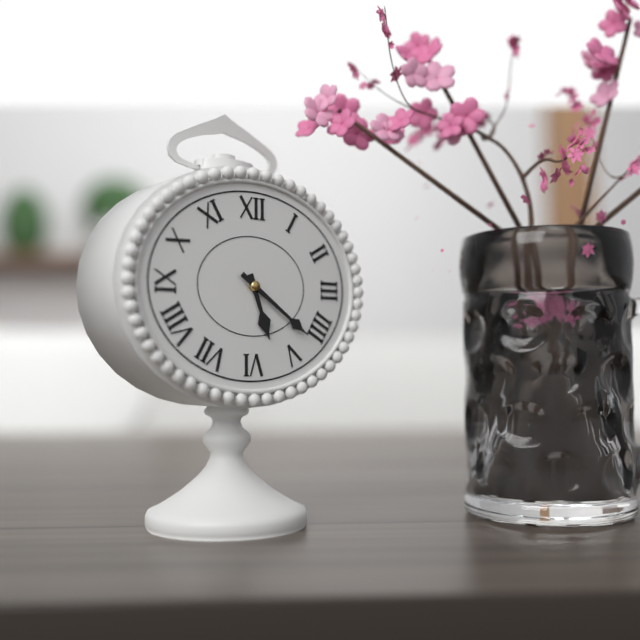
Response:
h=5 m=21
